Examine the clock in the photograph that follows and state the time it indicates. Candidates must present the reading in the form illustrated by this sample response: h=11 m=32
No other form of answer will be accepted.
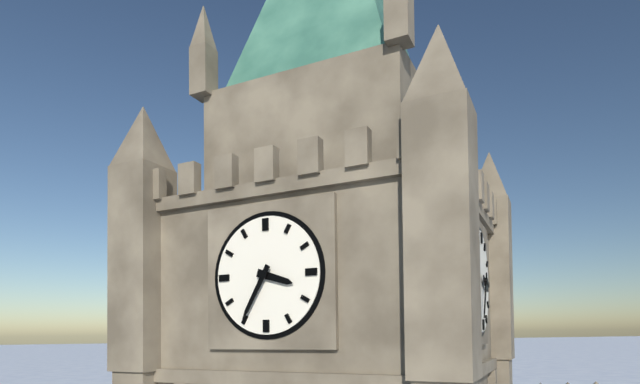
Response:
h=3 m=35
